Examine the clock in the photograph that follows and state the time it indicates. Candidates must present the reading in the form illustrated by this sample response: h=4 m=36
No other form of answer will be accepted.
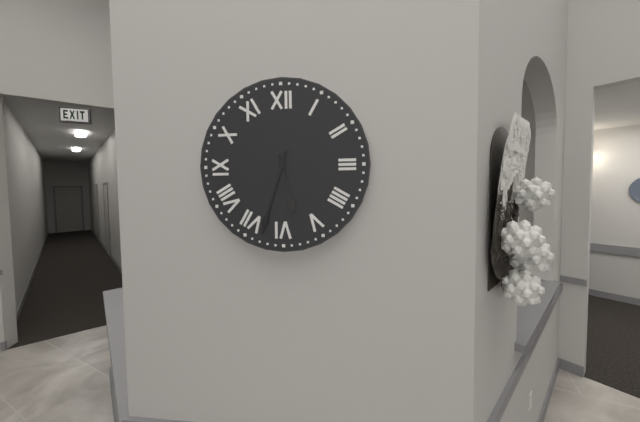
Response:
h=5 m=33
